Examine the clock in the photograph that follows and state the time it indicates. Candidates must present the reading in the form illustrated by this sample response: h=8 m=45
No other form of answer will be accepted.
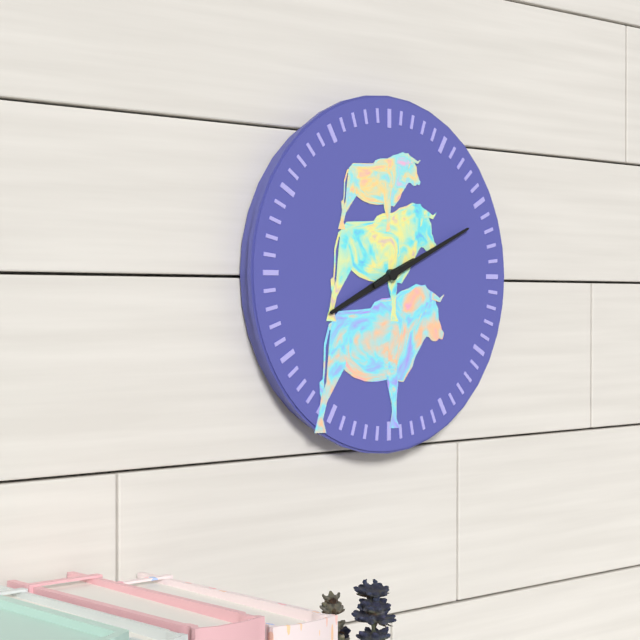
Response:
h=8 m=11
